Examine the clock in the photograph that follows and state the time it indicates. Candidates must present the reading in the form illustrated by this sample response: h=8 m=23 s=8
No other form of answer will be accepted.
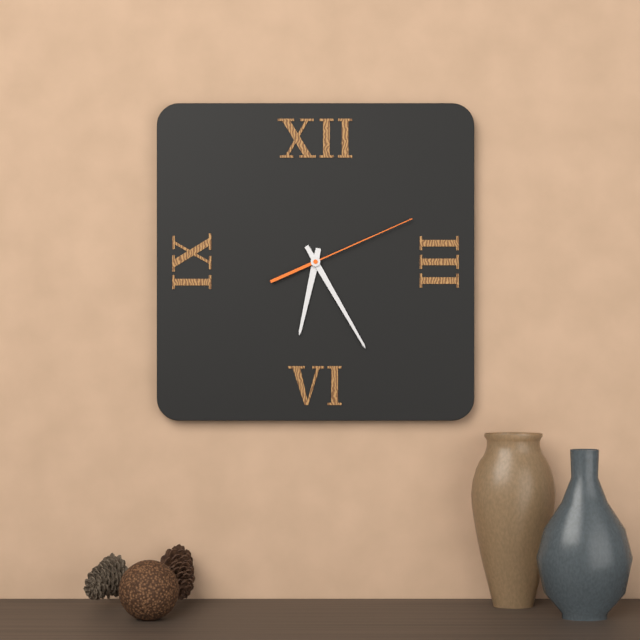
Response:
h=6 m=25 s=11
